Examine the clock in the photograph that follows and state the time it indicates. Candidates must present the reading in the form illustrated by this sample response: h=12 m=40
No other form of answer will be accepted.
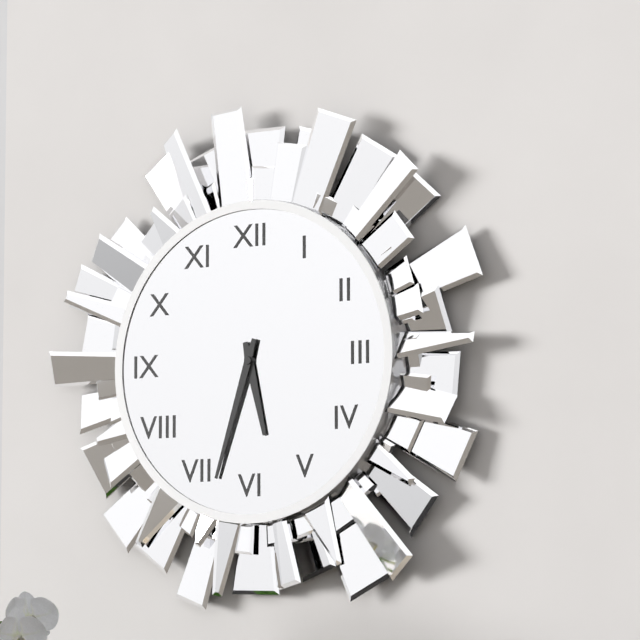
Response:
h=5 m=33
